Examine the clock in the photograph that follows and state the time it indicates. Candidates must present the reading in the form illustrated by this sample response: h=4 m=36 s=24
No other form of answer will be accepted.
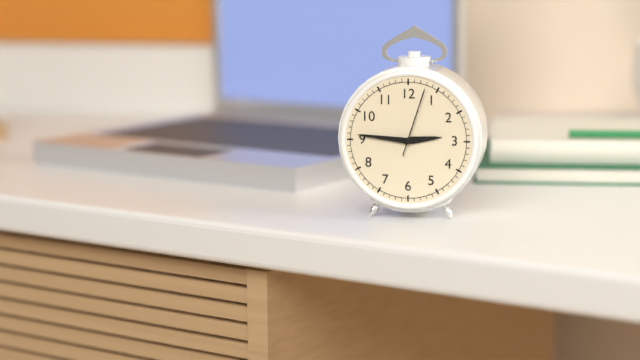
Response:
h=2 m=46 s=3
